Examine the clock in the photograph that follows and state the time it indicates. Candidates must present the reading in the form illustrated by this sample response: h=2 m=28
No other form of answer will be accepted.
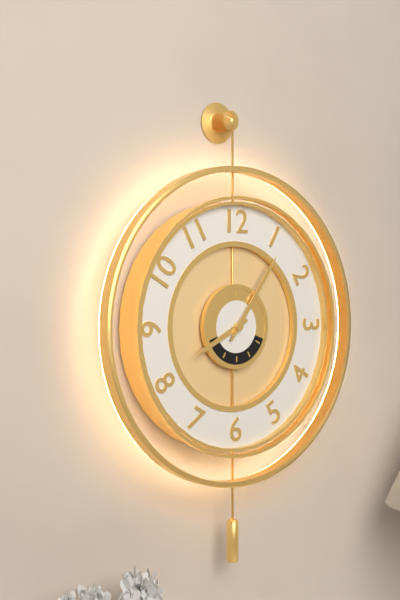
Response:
h=8 m=6
